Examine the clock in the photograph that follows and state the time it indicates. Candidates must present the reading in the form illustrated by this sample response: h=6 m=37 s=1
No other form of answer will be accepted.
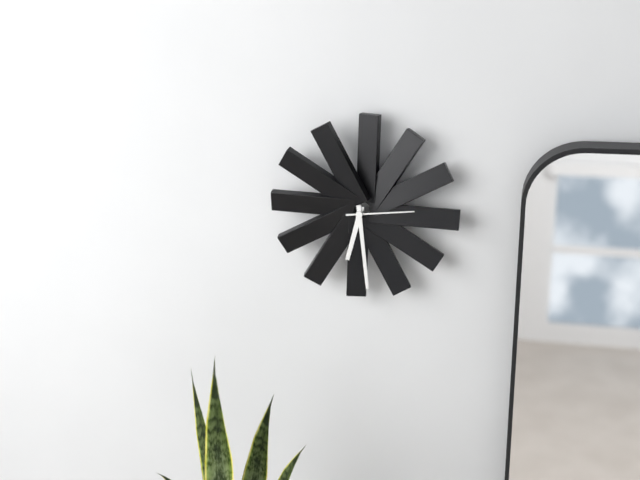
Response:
h=6 m=29 s=14
